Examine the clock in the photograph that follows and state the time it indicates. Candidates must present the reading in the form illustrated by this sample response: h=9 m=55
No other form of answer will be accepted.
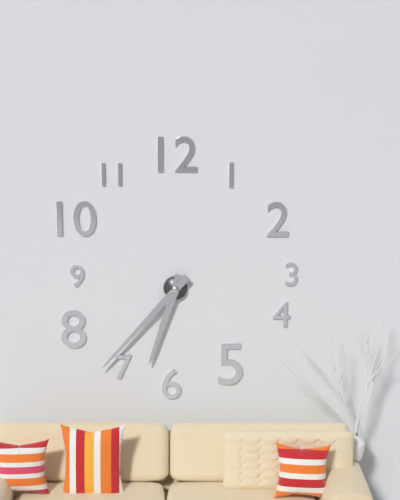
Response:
h=6 m=37
